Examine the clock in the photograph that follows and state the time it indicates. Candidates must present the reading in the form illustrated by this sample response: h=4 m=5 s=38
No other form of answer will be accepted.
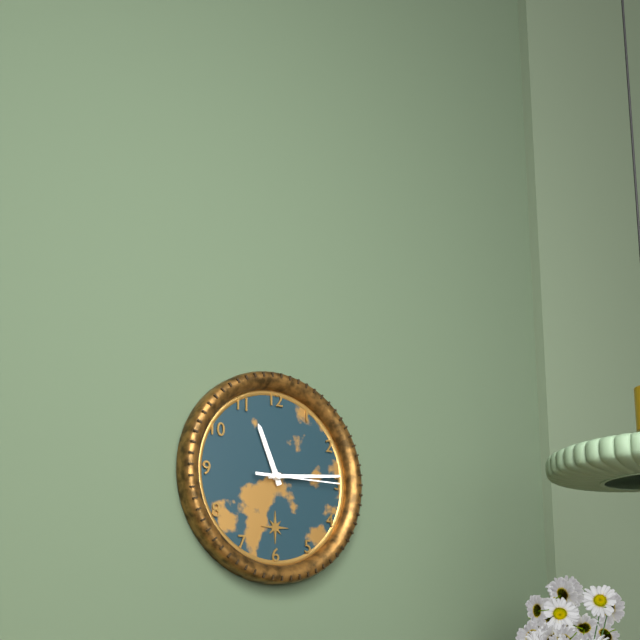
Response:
h=11 m=14 s=15
